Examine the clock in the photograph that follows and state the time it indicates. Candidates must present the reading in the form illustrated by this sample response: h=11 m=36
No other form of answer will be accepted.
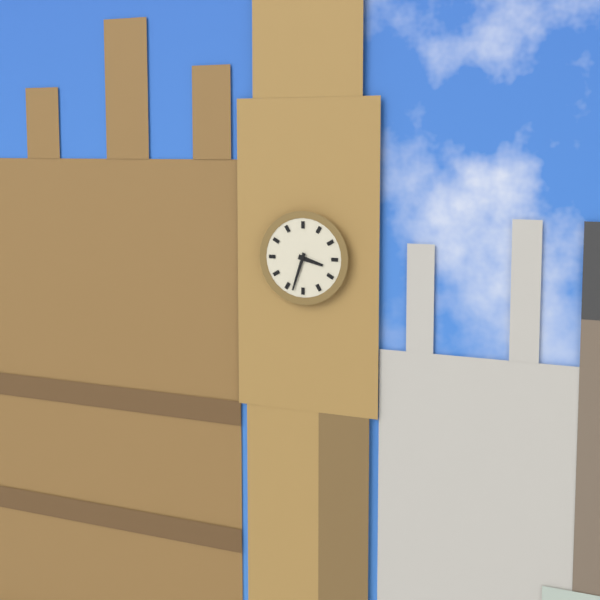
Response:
h=3 m=33
